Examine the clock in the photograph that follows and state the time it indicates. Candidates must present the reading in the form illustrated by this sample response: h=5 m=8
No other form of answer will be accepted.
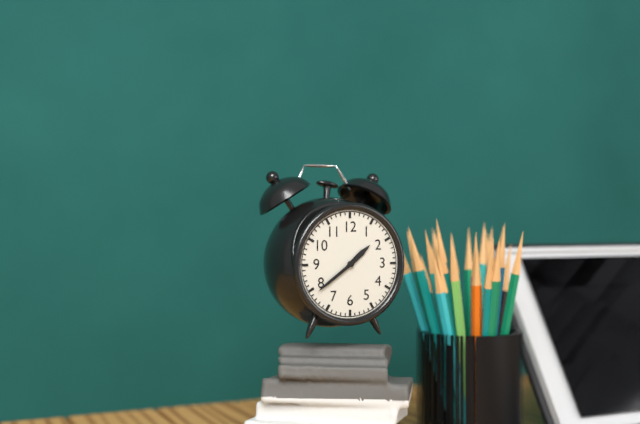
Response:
h=1 m=39
